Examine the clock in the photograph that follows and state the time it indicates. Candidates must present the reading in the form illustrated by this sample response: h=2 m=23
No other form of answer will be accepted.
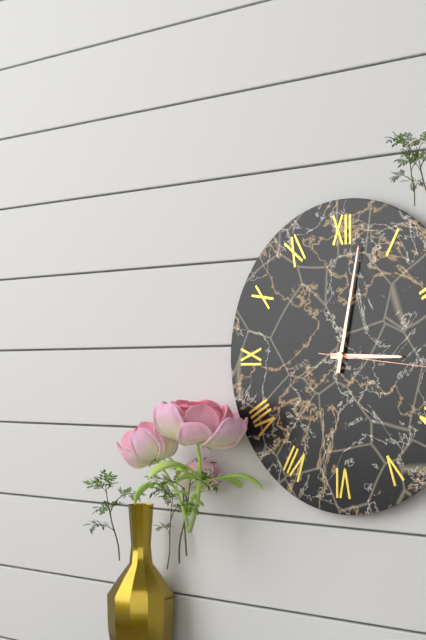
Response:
h=3 m=2
